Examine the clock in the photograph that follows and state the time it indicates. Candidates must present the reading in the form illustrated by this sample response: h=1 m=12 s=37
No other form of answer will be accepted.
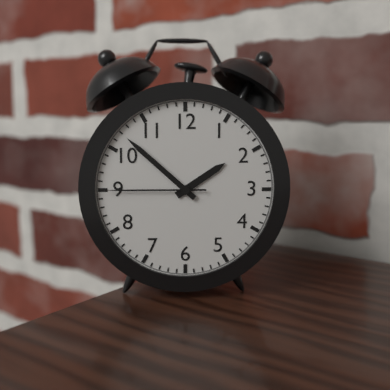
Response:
h=1 m=52 s=45
